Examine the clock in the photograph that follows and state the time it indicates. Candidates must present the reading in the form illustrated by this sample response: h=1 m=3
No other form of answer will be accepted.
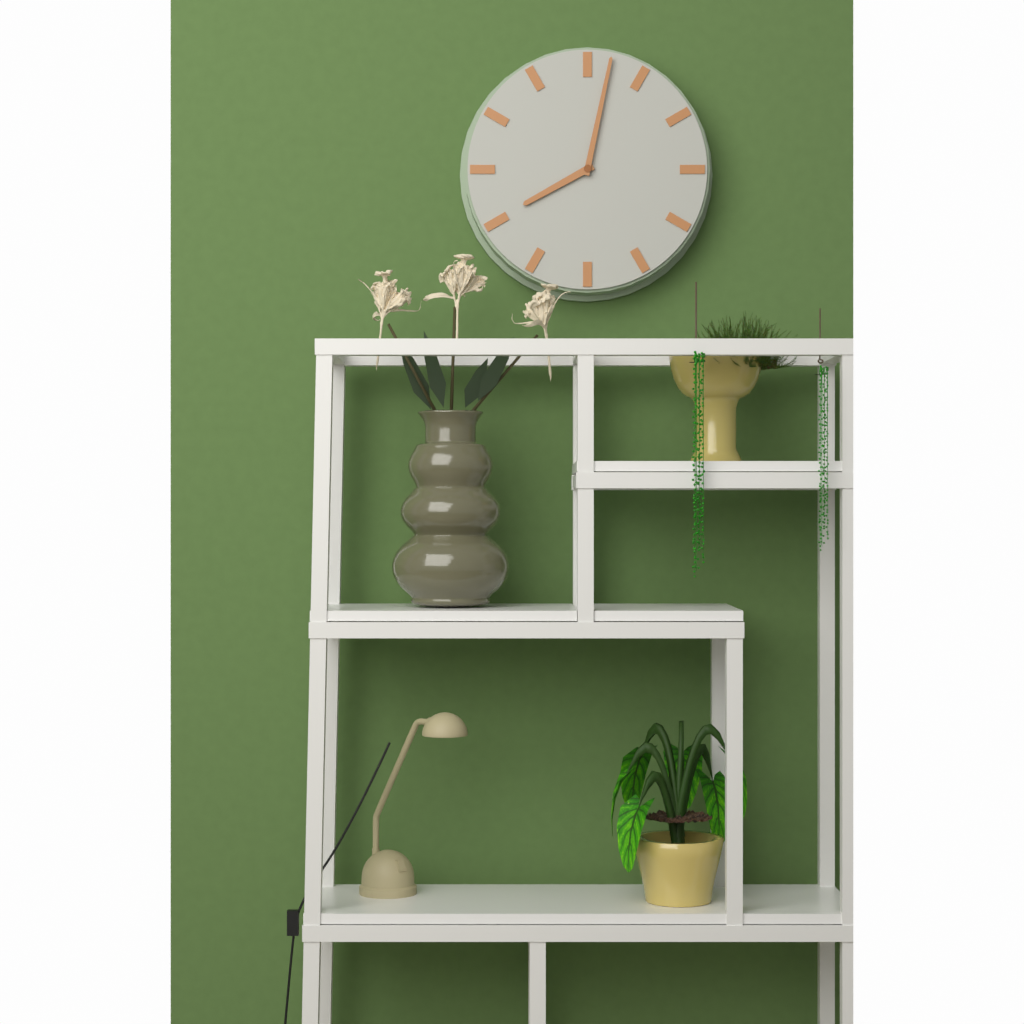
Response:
h=8 m=2
